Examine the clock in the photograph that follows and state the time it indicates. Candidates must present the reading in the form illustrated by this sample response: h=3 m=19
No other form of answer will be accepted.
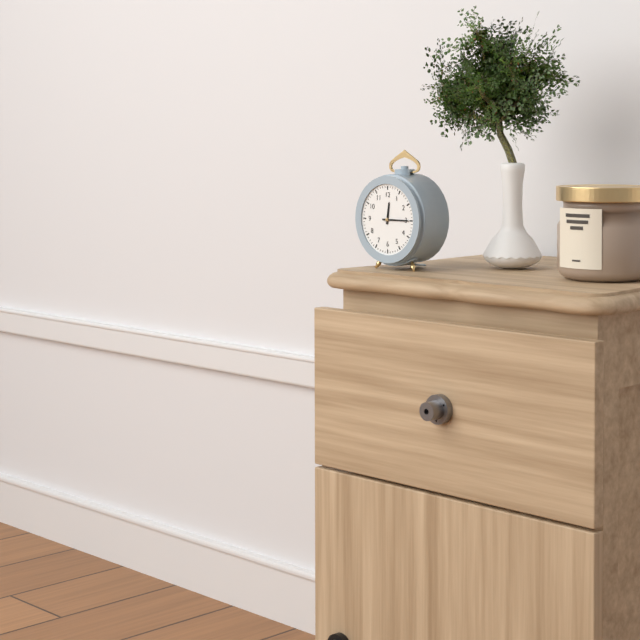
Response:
h=12 m=15
